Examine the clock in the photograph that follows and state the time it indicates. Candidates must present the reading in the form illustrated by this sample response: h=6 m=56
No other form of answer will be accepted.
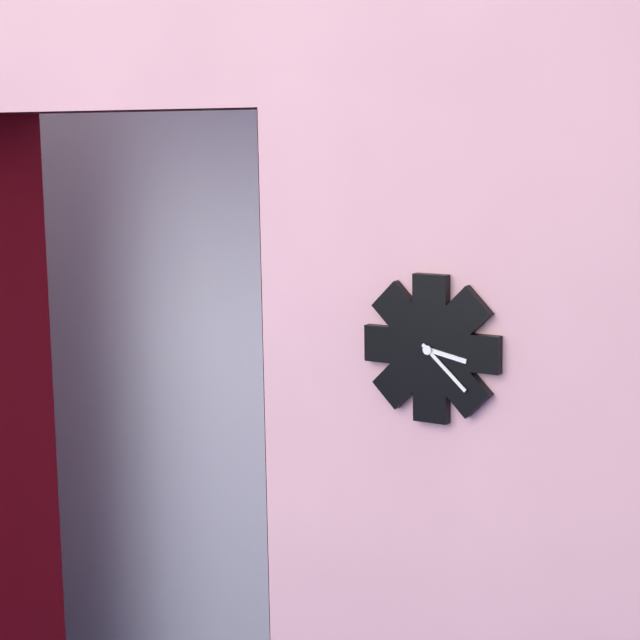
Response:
h=3 m=22
